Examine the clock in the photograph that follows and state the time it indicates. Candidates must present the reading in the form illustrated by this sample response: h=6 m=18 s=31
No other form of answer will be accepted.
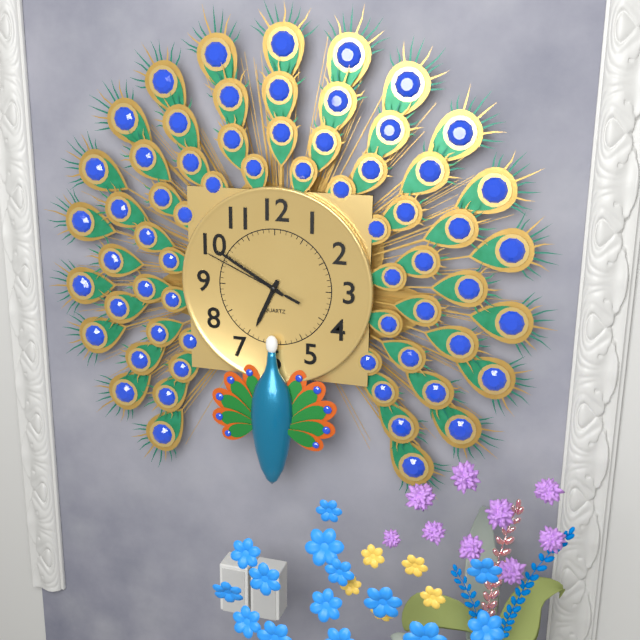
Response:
h=6 m=50 s=49
